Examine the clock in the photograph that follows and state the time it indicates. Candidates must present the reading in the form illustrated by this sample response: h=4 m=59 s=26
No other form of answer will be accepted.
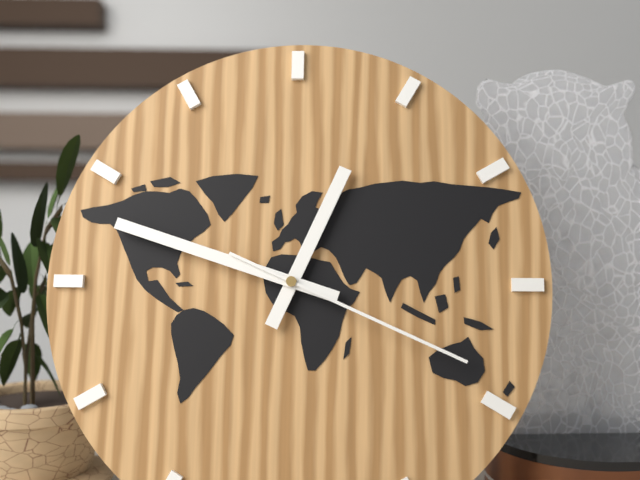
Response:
h=12 m=48 s=19
